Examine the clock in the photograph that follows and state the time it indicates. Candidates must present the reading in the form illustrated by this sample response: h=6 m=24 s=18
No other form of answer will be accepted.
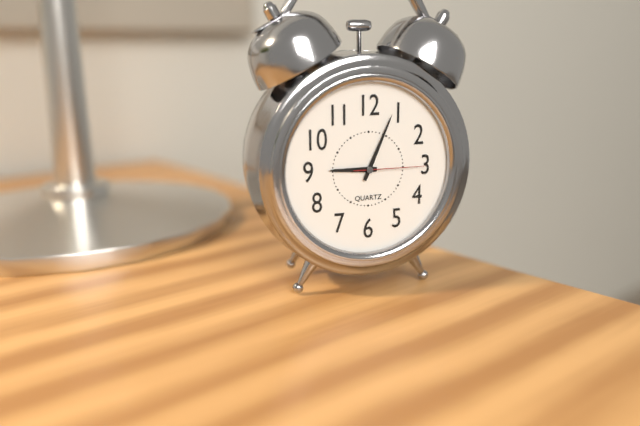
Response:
h=9 m=4 s=15
